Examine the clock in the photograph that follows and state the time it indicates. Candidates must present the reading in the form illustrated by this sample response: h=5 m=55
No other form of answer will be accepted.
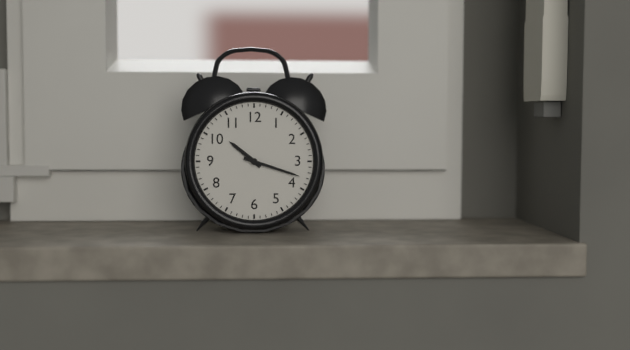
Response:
h=10 m=18
